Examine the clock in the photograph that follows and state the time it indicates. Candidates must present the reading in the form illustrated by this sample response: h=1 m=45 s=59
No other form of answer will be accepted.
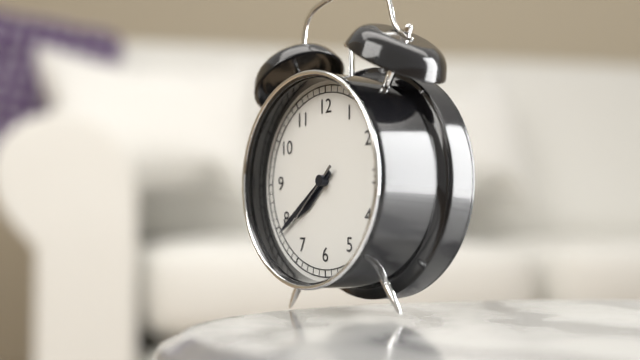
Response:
h=7 m=39 s=38
